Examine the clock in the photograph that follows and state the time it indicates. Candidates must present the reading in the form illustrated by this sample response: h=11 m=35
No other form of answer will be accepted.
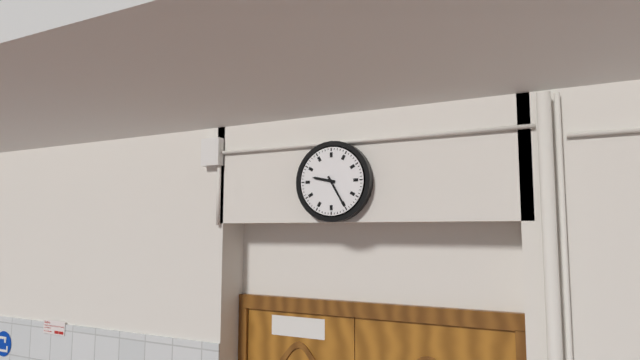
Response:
h=9 m=25
